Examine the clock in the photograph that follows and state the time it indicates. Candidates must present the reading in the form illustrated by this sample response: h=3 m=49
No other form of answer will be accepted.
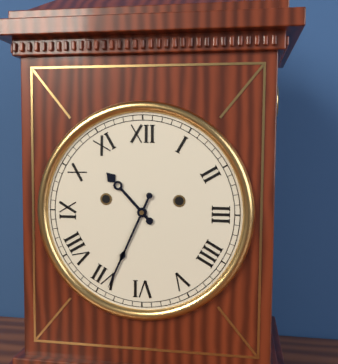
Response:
h=10 m=34
